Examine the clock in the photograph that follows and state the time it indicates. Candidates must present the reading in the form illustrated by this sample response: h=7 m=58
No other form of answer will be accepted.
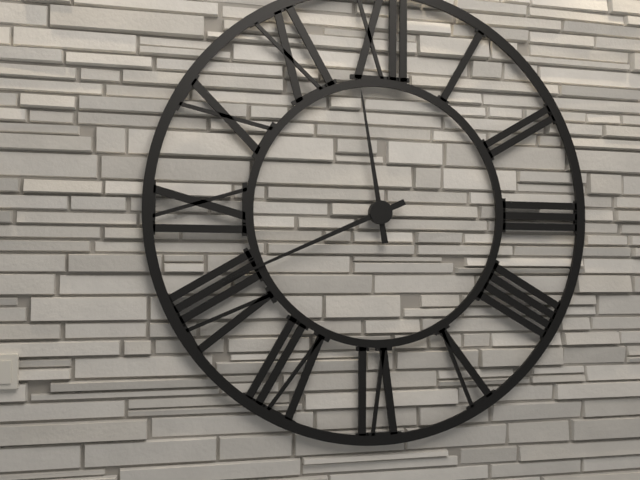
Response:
h=11 m=41
